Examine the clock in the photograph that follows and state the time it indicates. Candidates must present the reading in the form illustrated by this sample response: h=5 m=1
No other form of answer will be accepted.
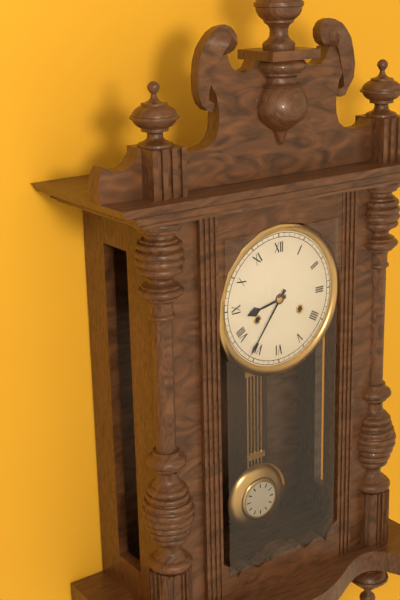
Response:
h=8 m=36
